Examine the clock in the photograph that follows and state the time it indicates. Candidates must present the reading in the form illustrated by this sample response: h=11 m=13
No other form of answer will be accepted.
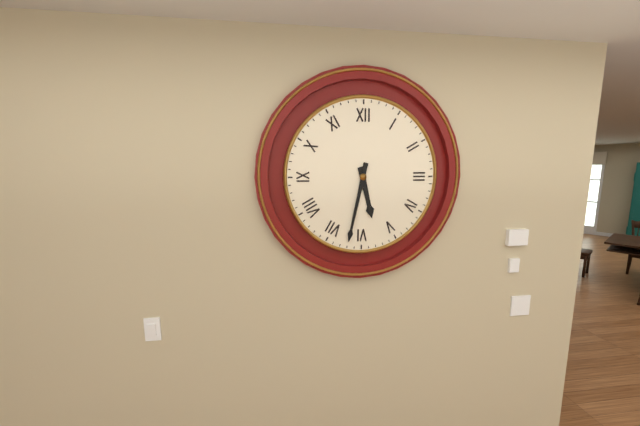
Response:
h=5 m=32
